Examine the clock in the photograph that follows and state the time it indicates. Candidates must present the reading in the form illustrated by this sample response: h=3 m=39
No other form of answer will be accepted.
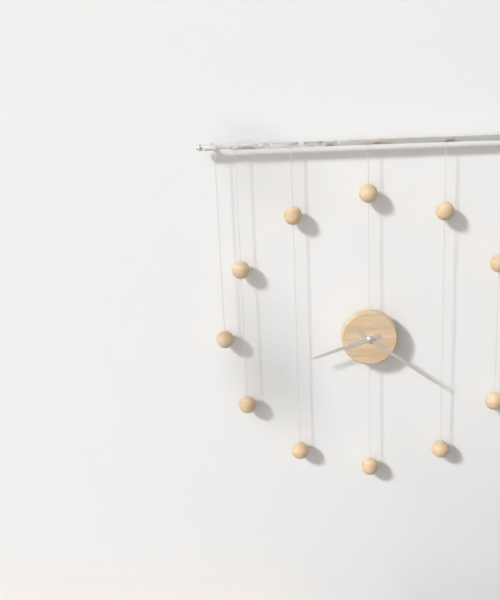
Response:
h=8 m=21
